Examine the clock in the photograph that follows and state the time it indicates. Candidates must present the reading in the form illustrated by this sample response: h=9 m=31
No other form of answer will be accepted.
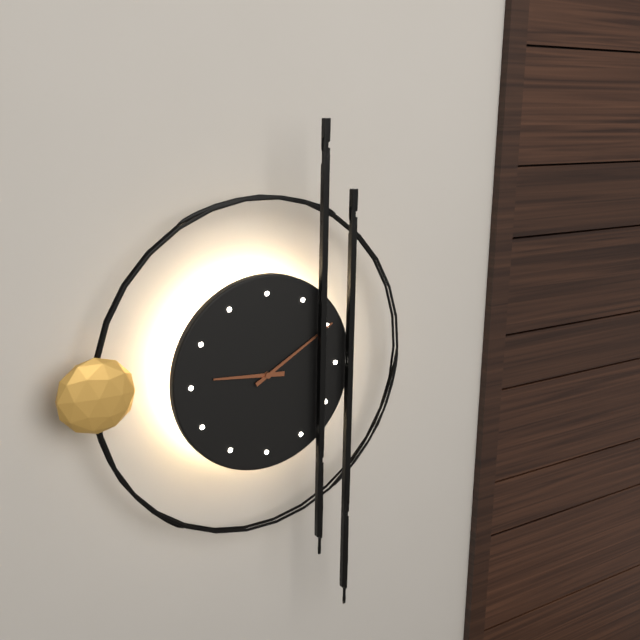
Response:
h=9 m=10
